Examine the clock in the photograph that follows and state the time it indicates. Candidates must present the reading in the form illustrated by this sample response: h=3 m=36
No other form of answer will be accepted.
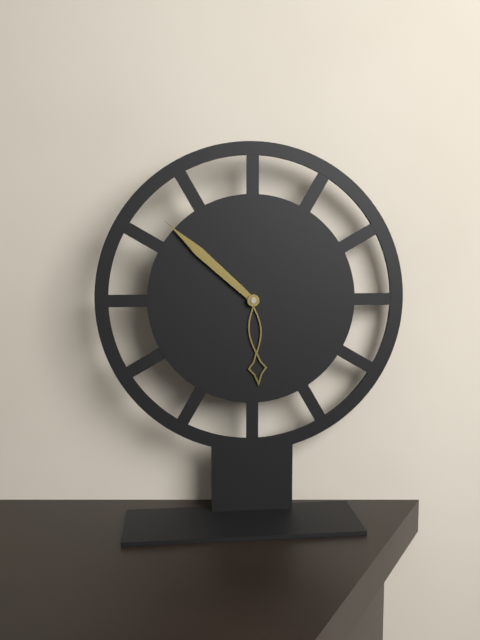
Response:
h=5 m=52
